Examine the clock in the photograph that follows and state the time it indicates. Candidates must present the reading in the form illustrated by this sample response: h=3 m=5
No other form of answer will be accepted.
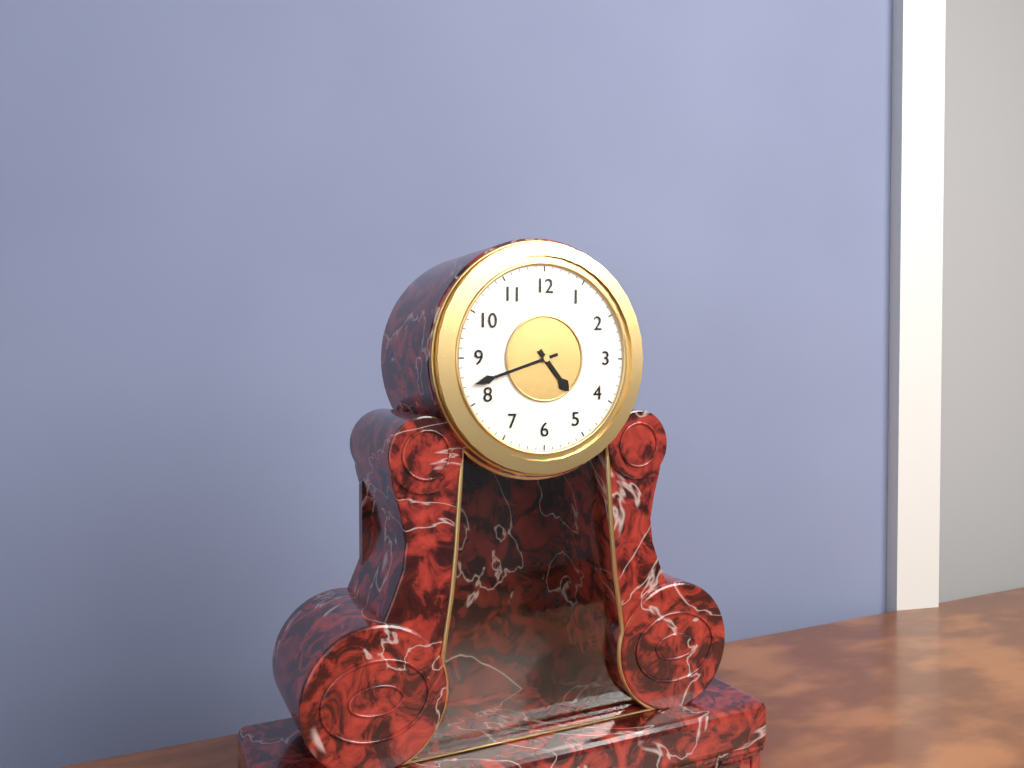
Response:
h=4 m=42
